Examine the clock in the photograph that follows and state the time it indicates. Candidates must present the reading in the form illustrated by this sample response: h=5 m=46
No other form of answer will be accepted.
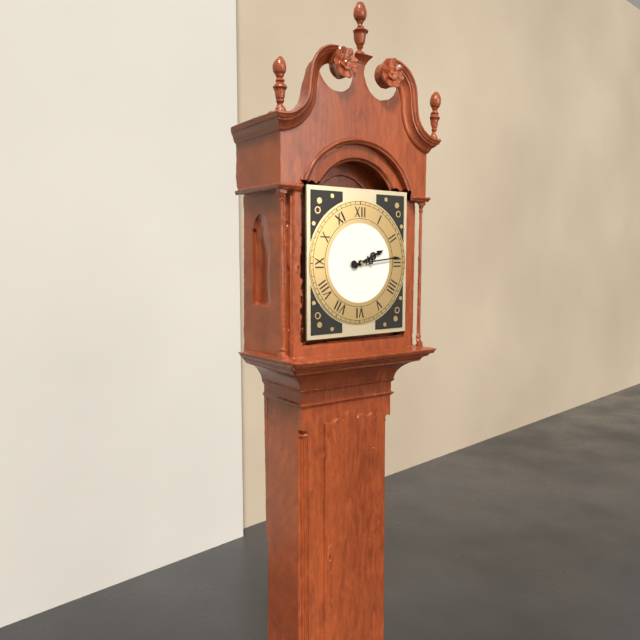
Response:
h=2 m=14
